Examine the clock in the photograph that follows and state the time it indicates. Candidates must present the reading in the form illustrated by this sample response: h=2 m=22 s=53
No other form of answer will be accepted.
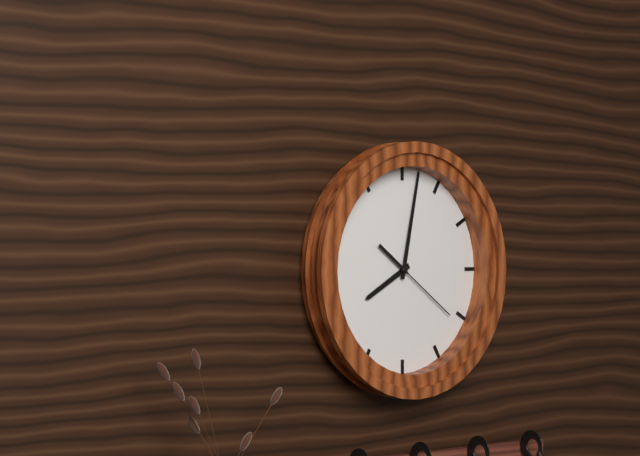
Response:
h=8 m=2 s=21
